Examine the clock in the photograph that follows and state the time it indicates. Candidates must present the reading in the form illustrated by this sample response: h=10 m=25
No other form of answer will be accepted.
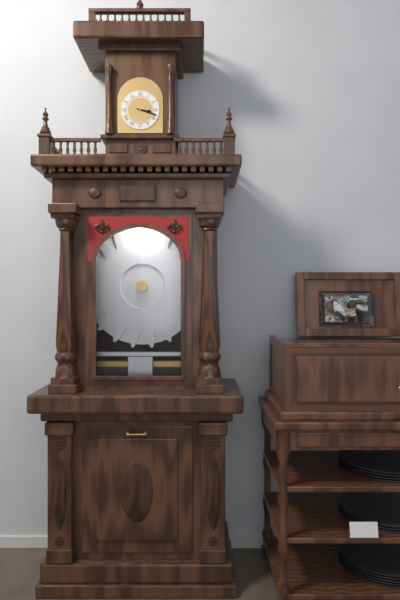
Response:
h=3 m=18
